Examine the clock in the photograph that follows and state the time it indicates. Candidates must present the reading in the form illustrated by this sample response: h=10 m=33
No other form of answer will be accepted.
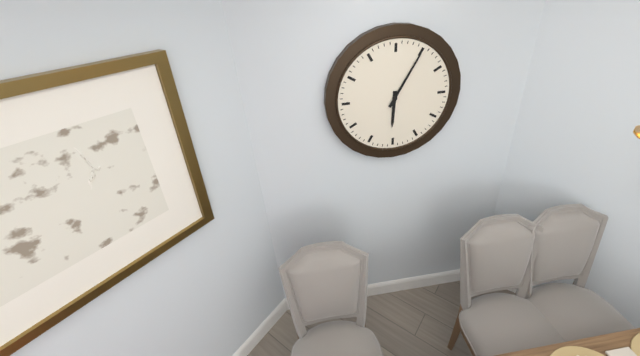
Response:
h=6 m=5
